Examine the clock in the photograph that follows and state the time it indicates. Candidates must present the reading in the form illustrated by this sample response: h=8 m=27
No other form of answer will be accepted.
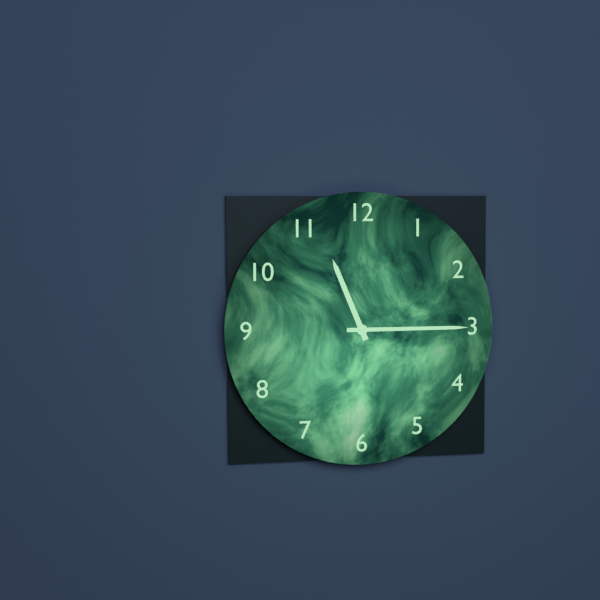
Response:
h=11 m=15
